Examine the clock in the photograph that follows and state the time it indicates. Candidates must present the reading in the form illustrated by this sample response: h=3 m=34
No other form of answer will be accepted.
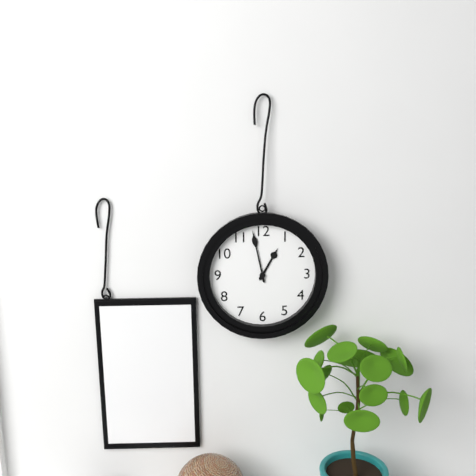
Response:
h=12 m=58
